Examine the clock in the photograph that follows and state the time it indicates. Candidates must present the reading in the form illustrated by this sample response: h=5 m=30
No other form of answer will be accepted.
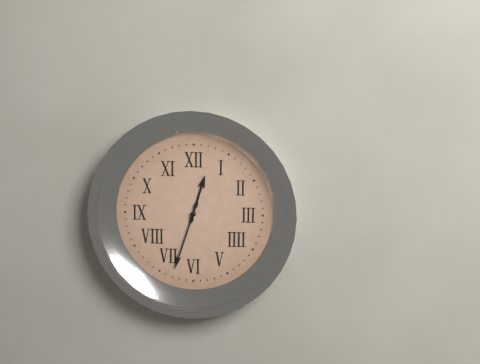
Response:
h=12 m=33
